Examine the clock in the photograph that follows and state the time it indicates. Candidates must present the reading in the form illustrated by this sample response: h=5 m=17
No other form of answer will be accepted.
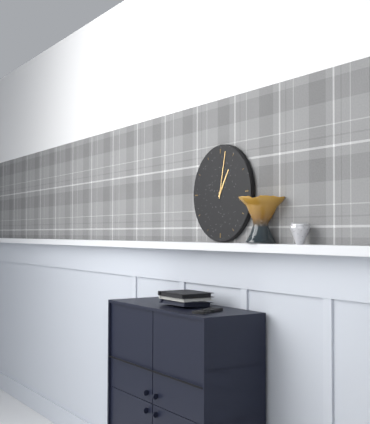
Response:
h=1 m=2
